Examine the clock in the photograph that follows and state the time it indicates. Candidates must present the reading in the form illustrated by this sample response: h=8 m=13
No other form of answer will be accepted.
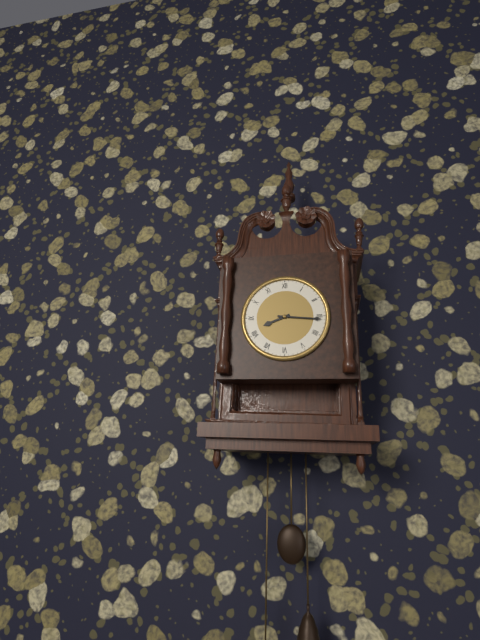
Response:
h=8 m=16
